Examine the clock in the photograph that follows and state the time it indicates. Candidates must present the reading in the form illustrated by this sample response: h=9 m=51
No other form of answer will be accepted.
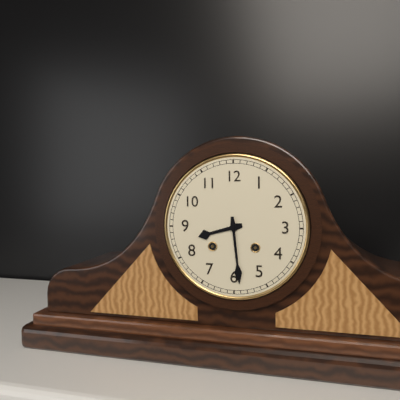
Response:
h=8 m=29
